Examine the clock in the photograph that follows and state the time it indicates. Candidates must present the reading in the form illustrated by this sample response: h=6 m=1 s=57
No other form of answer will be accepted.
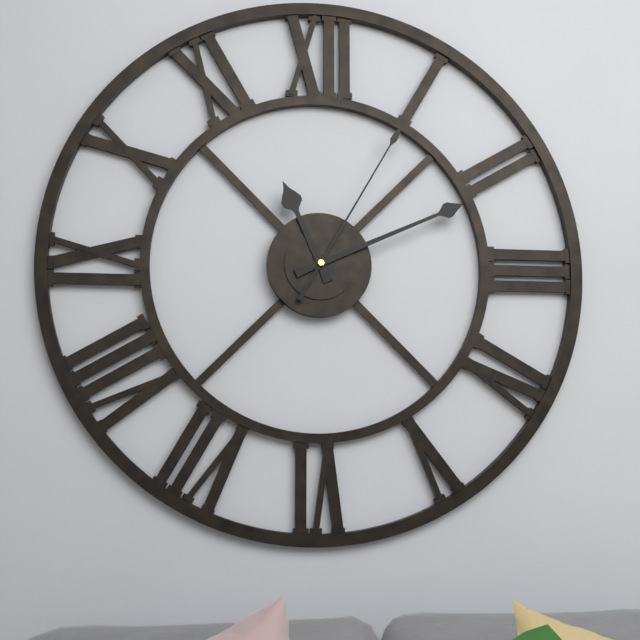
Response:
h=11 m=11 s=5
